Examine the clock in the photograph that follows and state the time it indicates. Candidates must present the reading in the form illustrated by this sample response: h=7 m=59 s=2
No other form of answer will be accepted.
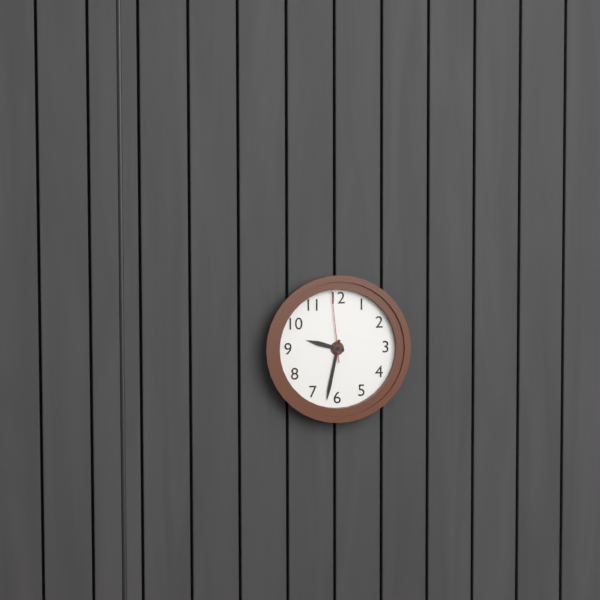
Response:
h=9 m=32 s=59
